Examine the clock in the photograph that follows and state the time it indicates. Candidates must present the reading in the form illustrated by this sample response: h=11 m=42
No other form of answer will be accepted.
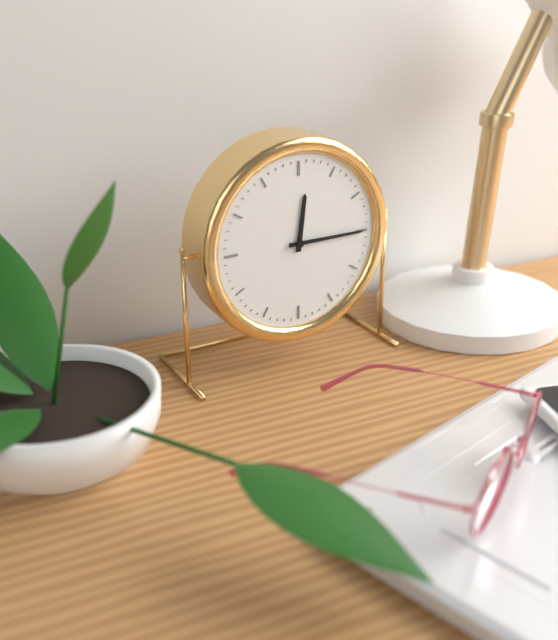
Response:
h=12 m=15
